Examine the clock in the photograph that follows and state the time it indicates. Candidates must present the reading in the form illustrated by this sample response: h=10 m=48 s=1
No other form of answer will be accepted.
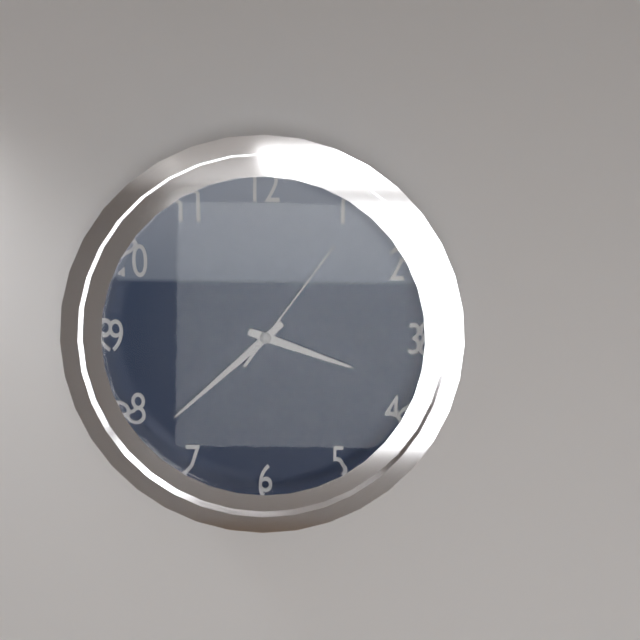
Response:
h=3 m=38 s=6
